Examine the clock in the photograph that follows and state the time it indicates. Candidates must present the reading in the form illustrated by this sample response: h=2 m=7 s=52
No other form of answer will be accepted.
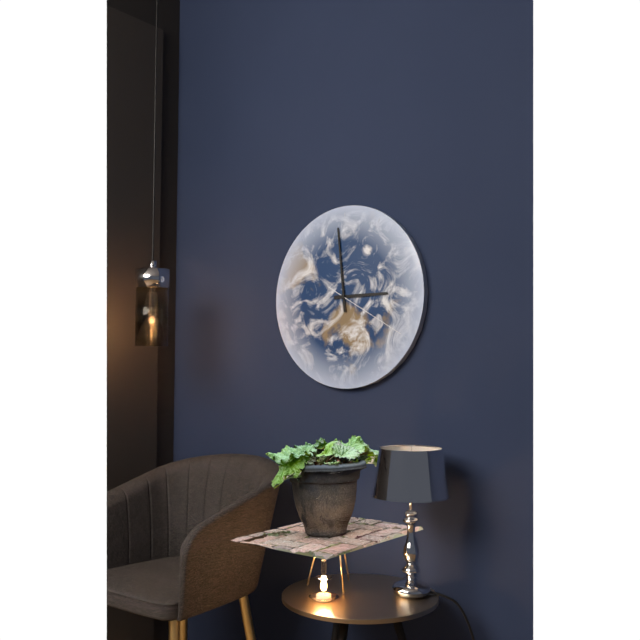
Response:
h=2 m=59 s=20
